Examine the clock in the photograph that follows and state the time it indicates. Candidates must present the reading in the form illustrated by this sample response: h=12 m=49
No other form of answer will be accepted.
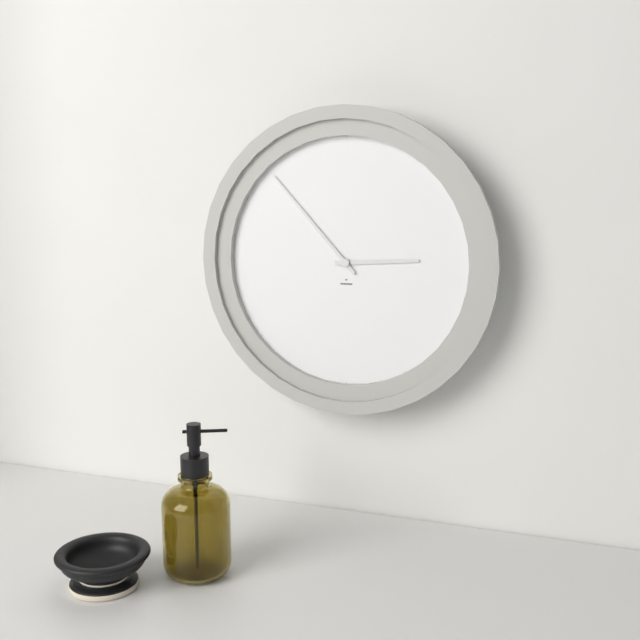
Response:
h=2 m=53
